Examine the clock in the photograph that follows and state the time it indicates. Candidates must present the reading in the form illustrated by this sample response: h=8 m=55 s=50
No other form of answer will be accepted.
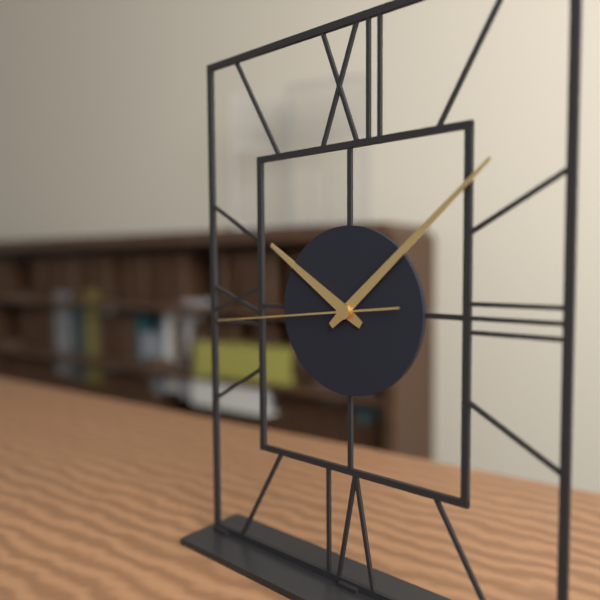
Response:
h=10 m=8 s=44
